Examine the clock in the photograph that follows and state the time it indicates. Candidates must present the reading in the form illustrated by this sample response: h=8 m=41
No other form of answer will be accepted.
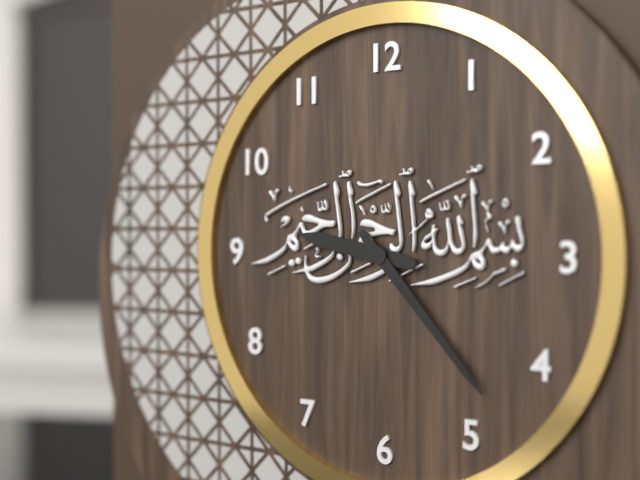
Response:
h=9 m=23
